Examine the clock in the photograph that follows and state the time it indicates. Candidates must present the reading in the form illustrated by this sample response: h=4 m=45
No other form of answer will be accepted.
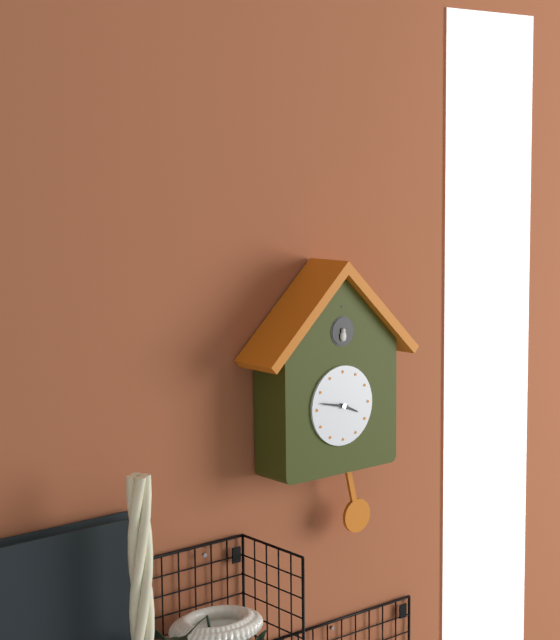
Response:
h=3 m=47
